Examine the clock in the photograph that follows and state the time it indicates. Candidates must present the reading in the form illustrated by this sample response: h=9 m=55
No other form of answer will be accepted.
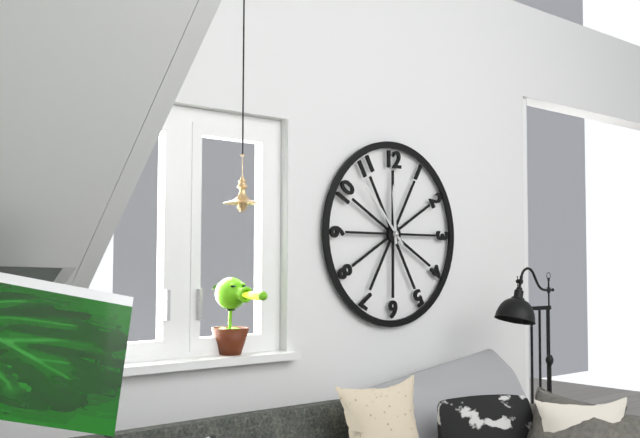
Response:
h=11 m=53
